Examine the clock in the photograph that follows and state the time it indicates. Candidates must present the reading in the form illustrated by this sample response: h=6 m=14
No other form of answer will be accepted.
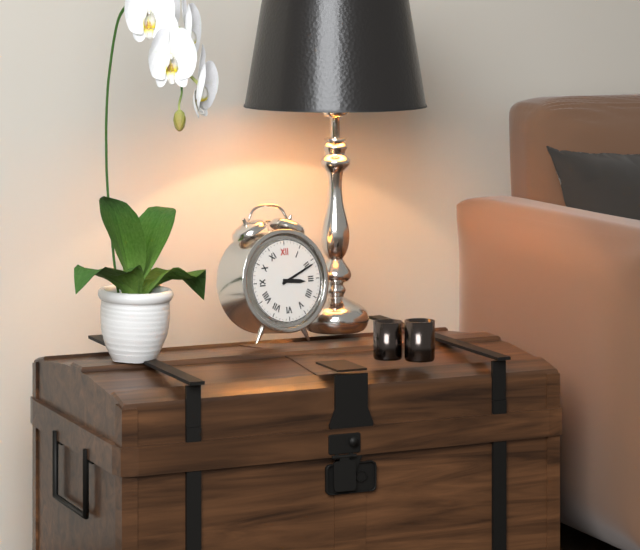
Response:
h=3 m=11
